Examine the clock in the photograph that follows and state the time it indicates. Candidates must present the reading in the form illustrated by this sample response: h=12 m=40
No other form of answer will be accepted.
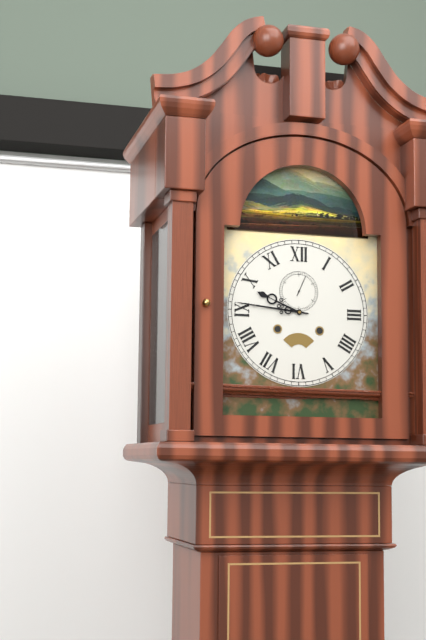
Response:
h=9 m=46
